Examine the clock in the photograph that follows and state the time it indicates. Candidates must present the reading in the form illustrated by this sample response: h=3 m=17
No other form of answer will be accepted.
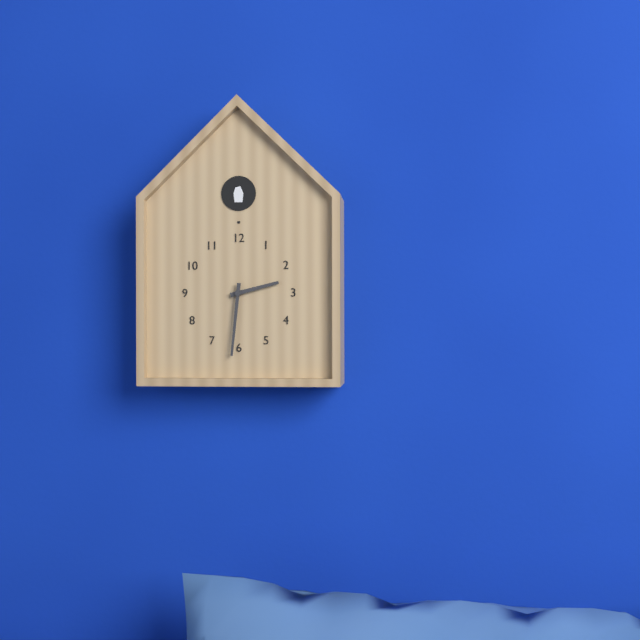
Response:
h=2 m=31
